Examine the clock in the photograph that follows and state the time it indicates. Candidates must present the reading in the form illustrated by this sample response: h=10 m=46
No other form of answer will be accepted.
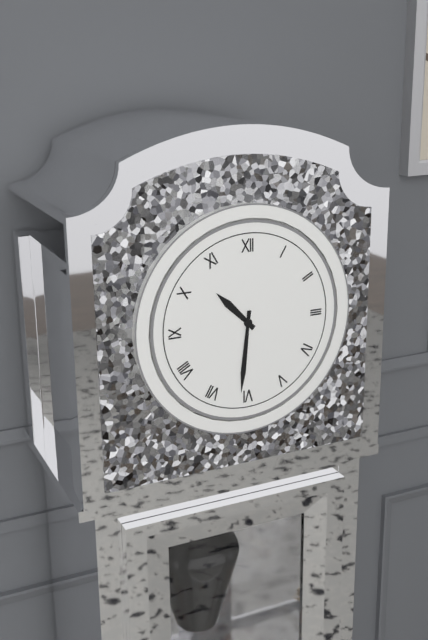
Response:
h=10 m=31
